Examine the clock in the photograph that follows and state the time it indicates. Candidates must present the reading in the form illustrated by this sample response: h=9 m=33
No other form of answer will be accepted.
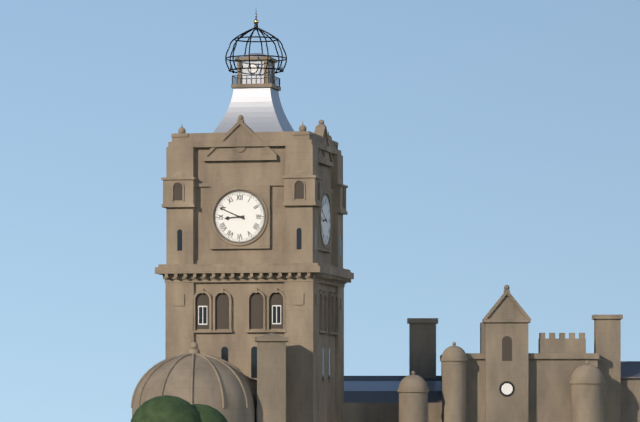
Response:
h=8 m=49
